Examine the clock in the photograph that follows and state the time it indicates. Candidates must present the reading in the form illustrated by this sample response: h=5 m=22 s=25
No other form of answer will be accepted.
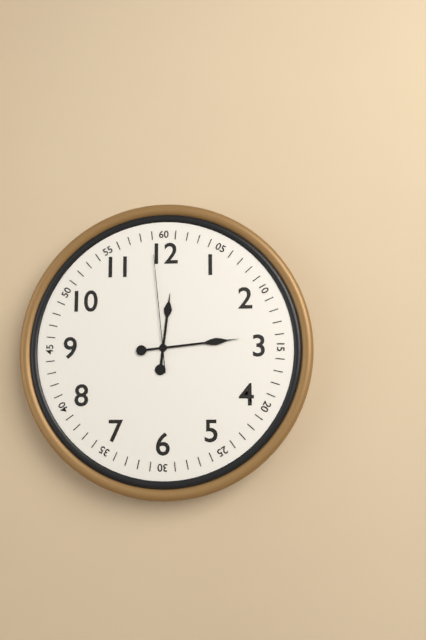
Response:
h=12 m=14 s=59
